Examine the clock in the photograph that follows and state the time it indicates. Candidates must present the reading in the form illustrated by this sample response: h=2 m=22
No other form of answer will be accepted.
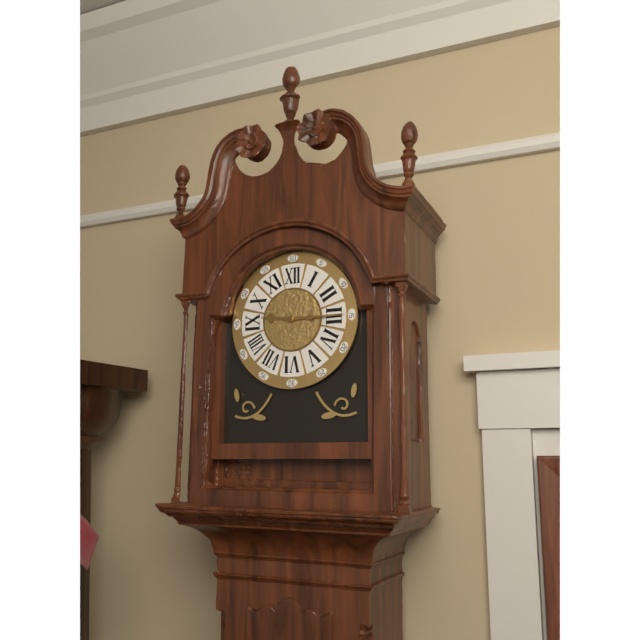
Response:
h=9 m=15
